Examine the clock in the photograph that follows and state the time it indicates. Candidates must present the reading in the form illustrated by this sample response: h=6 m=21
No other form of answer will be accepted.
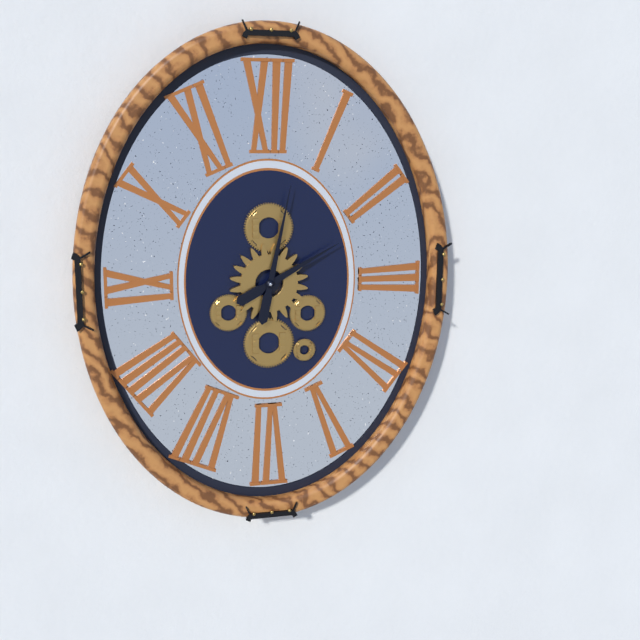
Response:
h=2 m=2
